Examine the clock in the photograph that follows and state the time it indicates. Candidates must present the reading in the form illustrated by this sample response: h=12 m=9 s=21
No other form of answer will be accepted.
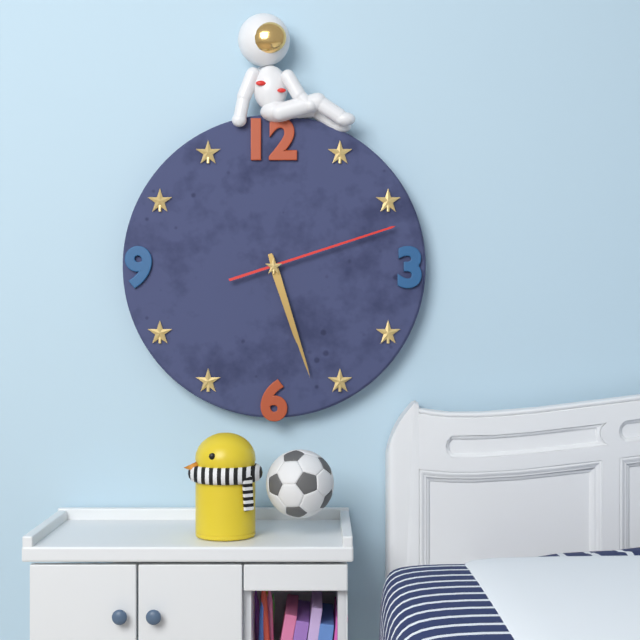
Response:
h=5 m=27 s=12
